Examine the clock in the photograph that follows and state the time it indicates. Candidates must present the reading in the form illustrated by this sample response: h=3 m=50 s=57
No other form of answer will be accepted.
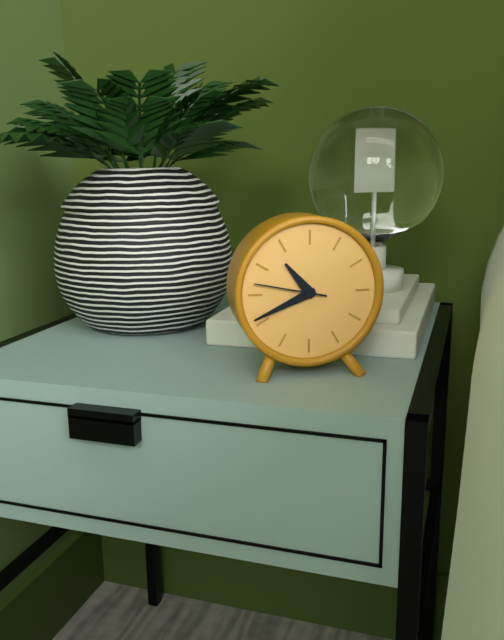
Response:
h=10 m=41 s=47
